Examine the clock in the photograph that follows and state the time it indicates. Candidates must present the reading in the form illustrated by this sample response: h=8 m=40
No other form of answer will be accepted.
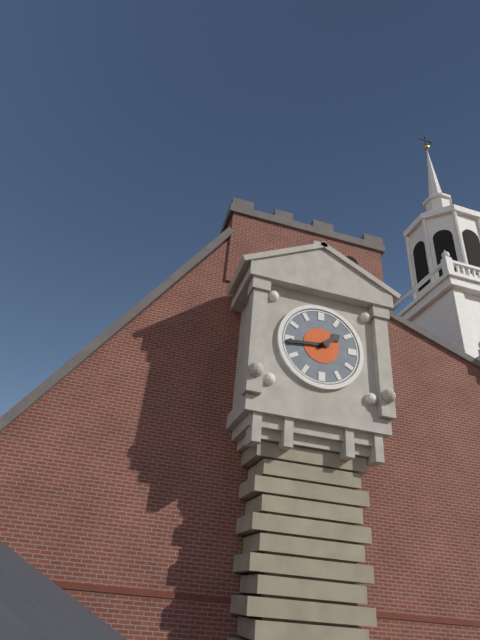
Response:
h=1 m=44
